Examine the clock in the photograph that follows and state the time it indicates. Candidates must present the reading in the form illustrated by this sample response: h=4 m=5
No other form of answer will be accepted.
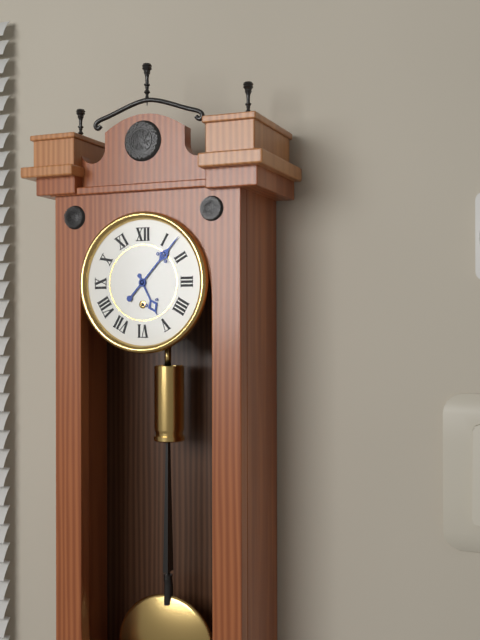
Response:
h=5 m=7
